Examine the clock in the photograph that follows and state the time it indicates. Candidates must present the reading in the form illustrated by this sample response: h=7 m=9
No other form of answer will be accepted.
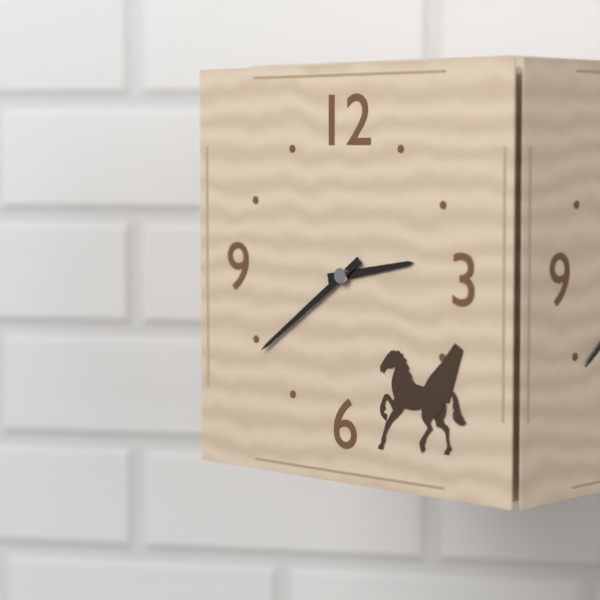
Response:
h=2 m=39
